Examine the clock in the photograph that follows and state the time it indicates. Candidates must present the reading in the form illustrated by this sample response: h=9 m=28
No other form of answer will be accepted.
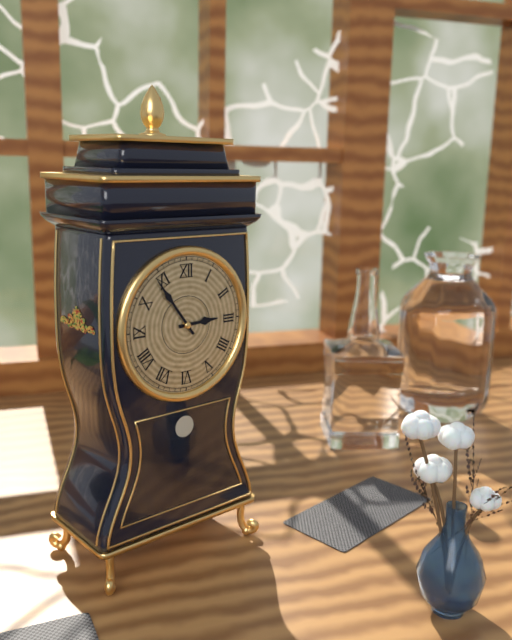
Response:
h=2 m=54
